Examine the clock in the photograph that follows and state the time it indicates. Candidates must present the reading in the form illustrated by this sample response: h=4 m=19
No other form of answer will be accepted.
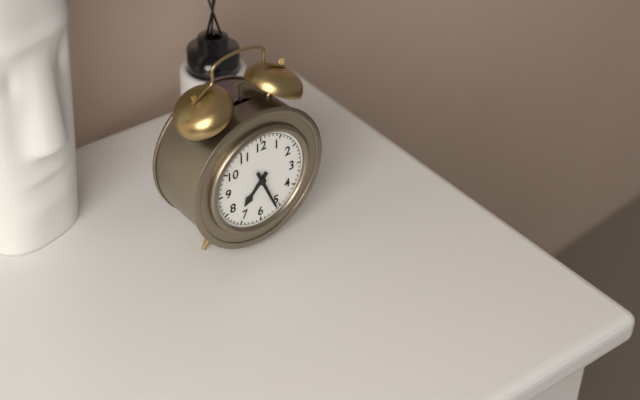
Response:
h=7 m=26
